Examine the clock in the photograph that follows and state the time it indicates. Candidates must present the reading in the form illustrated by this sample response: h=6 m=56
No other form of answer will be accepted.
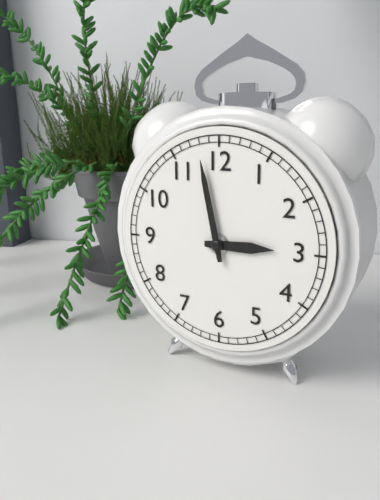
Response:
h=2 m=58
